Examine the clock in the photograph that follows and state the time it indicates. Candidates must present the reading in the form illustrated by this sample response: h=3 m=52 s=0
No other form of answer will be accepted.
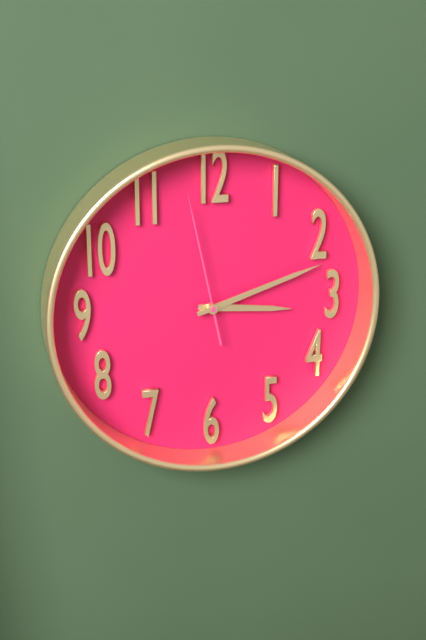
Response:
h=3 m=12 s=58
